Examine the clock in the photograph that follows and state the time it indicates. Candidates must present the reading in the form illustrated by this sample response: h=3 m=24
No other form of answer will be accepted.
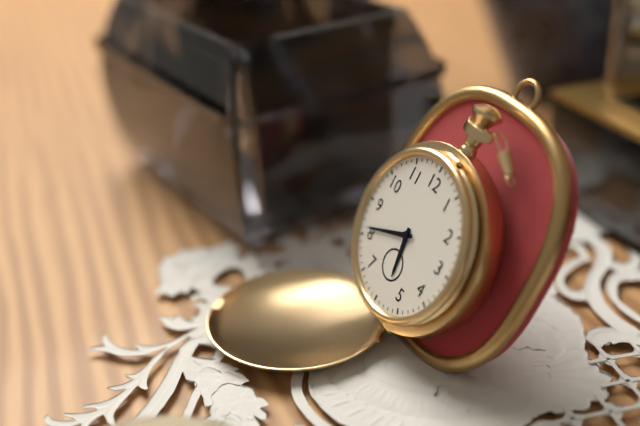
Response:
h=5 m=41
